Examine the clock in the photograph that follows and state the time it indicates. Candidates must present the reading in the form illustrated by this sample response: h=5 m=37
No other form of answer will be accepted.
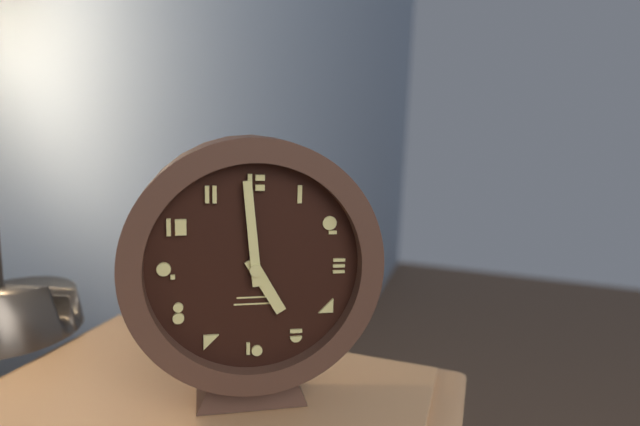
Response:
h=4 m=59
